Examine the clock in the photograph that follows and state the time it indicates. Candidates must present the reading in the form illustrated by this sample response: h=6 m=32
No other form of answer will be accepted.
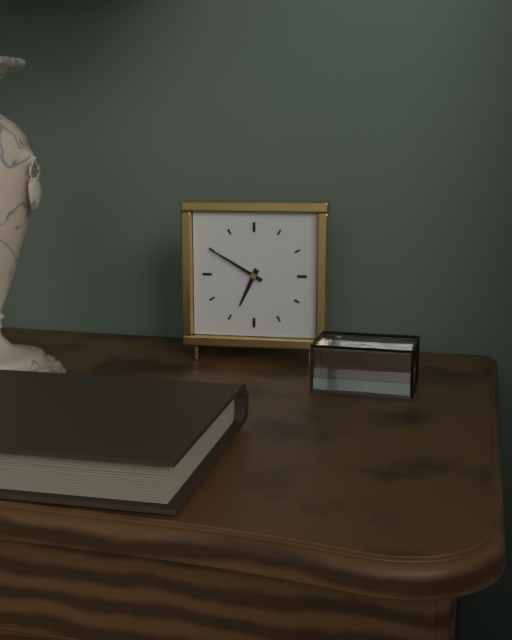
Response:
h=6 m=50
